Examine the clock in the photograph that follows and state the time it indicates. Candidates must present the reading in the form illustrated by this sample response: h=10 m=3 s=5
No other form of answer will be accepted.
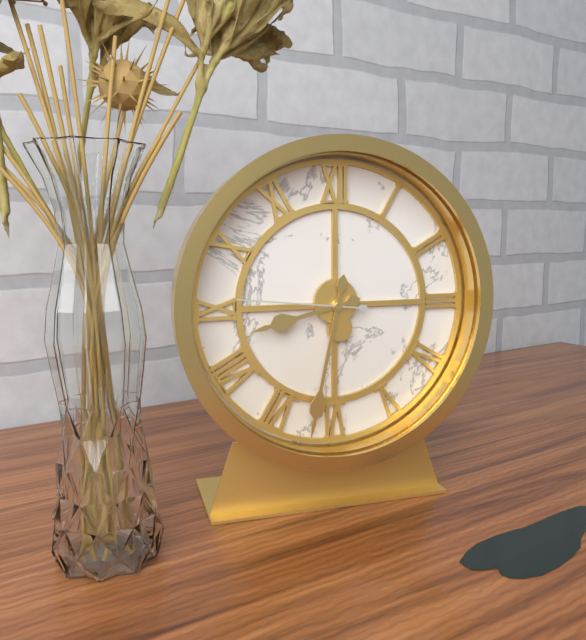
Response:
h=8 m=32 s=46
